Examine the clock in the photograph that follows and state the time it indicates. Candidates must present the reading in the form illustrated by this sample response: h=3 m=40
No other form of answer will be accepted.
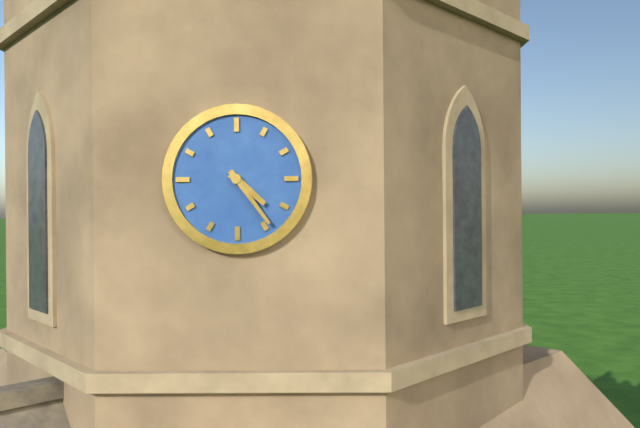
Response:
h=4 m=24
